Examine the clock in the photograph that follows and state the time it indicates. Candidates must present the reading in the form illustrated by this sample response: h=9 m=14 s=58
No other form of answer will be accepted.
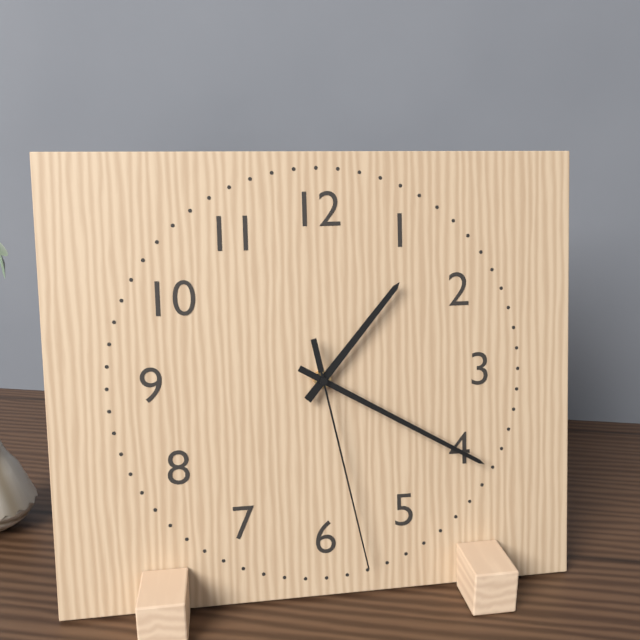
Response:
h=1 m=20 s=28
